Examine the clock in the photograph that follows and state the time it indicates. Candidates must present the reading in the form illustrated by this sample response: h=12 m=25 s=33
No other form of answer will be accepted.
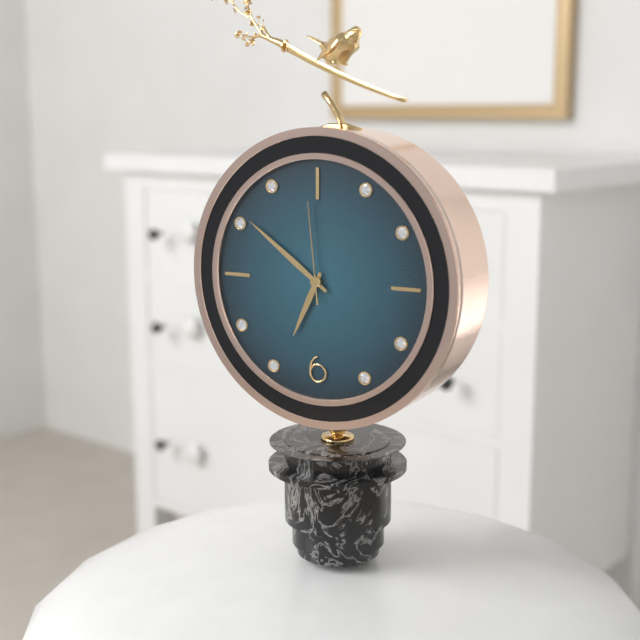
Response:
h=6 m=51 s=59
